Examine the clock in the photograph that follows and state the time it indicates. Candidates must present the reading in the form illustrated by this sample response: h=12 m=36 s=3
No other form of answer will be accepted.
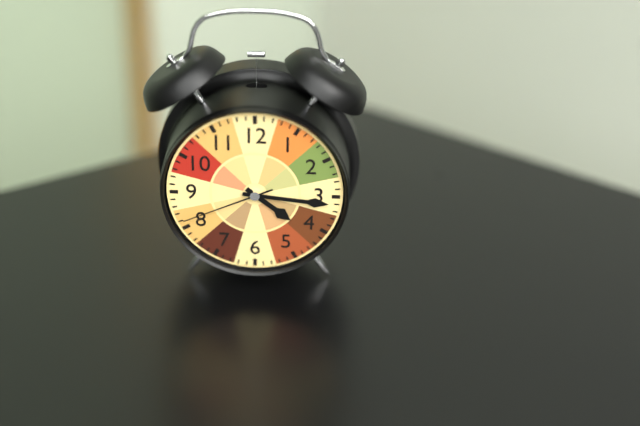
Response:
h=4 m=16 s=41
